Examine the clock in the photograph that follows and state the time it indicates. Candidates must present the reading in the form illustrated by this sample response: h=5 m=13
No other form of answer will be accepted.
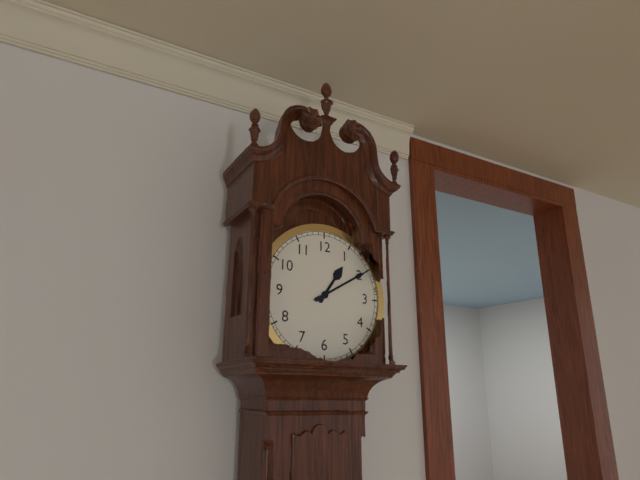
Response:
h=1 m=10
